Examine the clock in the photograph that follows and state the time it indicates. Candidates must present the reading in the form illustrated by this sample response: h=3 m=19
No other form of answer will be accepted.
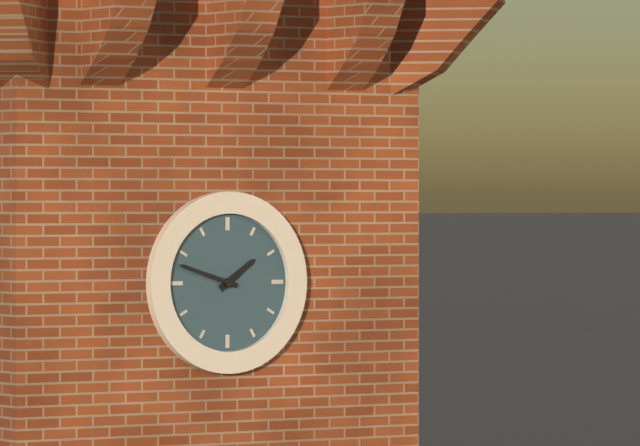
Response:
h=1 m=48
